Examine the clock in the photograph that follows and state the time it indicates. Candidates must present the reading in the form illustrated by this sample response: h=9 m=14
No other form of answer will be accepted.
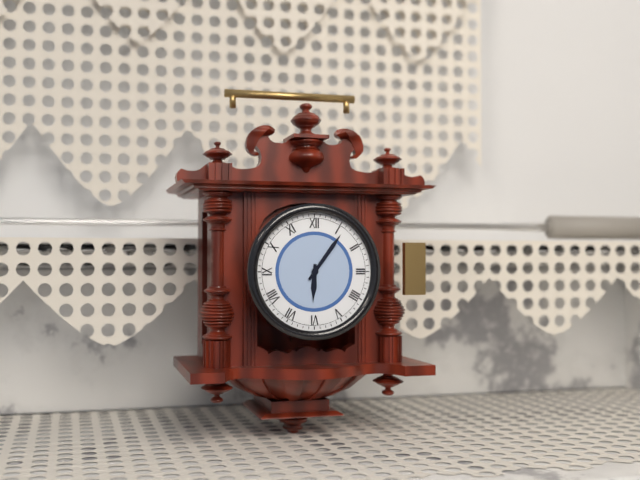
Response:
h=6 m=6
